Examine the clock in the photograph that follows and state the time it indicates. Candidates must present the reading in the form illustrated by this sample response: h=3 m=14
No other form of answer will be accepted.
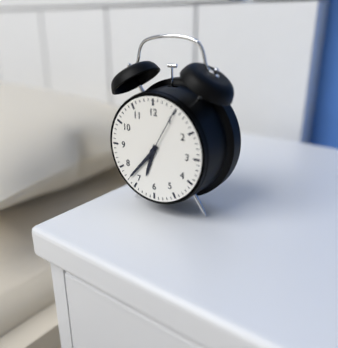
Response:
h=6 m=37
